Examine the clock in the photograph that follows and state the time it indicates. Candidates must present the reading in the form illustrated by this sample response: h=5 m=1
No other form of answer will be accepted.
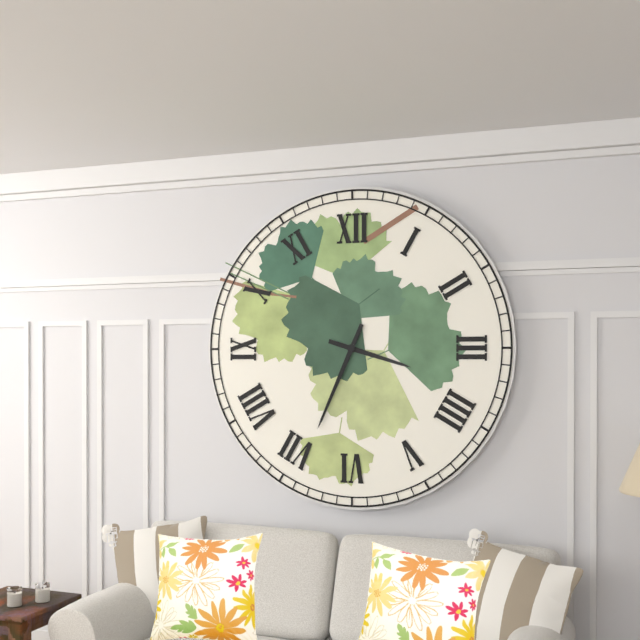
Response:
h=3 m=34
